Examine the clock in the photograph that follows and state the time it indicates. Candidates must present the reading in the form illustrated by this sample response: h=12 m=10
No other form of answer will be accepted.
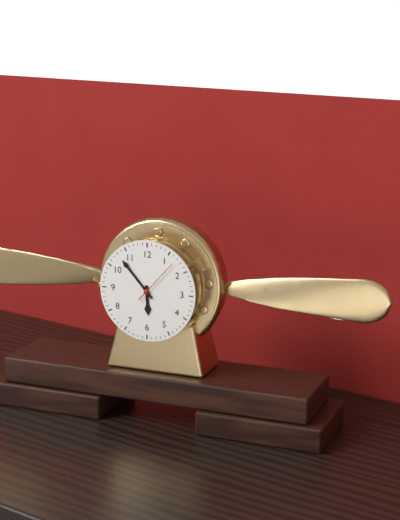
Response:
h=5 m=53
